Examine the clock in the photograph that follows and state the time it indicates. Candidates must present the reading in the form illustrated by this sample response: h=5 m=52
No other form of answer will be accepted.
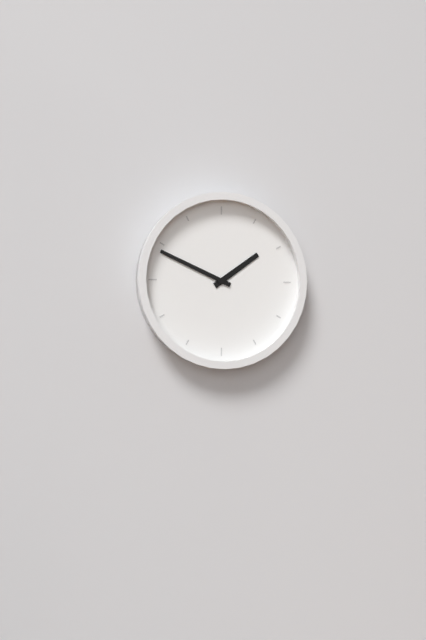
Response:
h=1 m=49
